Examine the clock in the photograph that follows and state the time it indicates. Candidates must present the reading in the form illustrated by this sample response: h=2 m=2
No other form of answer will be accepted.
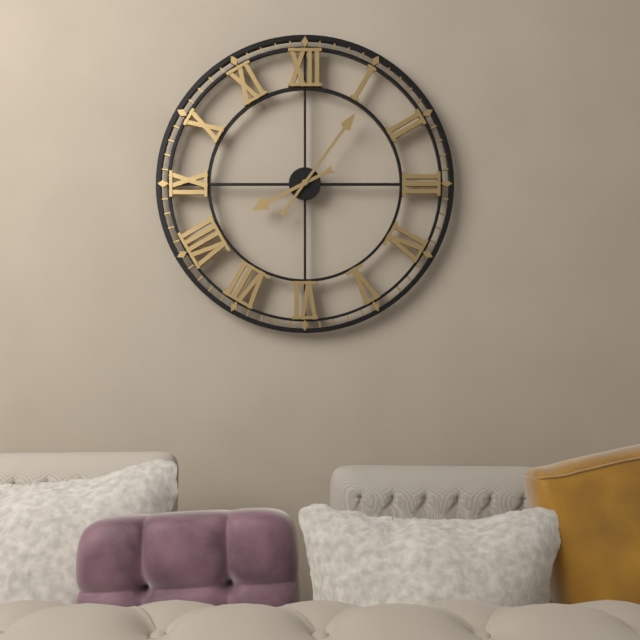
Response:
h=8 m=6
